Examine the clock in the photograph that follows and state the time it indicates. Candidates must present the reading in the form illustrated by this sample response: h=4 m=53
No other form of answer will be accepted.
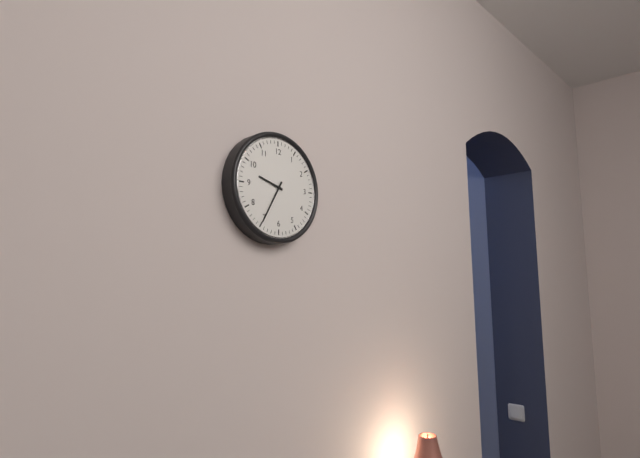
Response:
h=9 m=35
